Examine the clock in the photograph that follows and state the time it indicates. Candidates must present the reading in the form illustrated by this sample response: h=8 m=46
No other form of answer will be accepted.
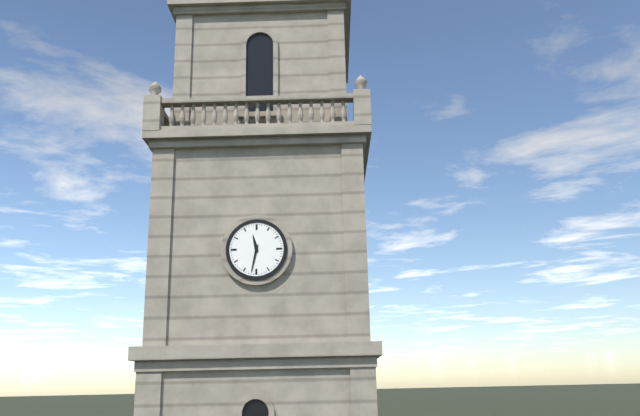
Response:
h=11 m=32
